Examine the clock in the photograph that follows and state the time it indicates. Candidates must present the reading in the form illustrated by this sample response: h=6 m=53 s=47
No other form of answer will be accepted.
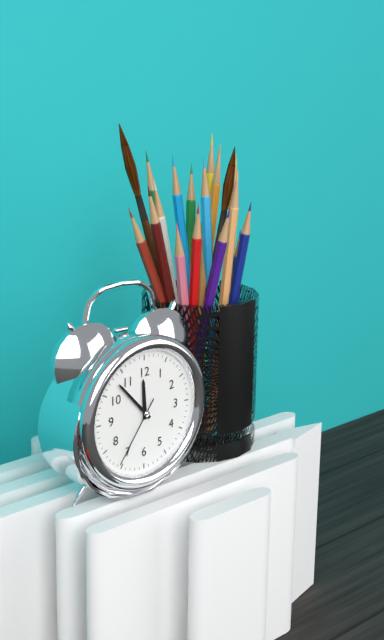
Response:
h=11 m=53 s=36
